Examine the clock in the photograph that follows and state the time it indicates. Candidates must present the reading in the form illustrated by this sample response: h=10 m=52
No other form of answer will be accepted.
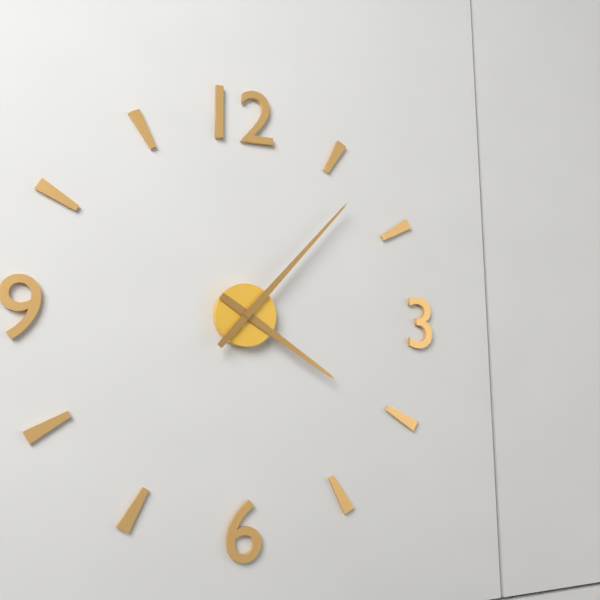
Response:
h=4 m=7
